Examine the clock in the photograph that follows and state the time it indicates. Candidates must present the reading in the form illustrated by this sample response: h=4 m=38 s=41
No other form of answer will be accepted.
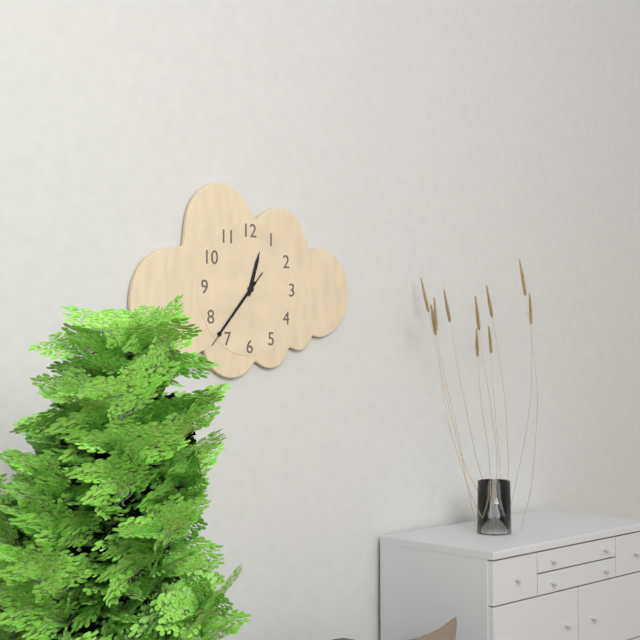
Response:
h=12 m=37 s=37
